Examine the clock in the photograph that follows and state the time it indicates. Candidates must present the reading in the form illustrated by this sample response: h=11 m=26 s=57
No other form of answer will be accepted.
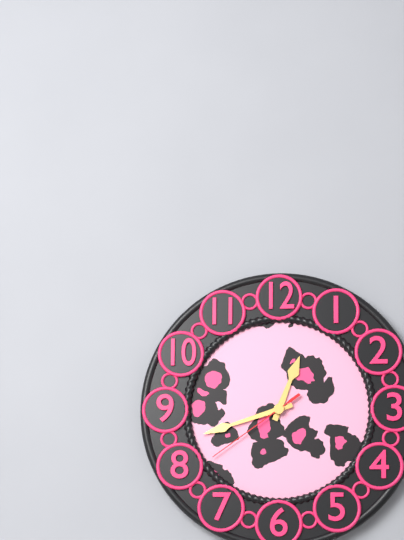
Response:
h=12 m=42 s=39
